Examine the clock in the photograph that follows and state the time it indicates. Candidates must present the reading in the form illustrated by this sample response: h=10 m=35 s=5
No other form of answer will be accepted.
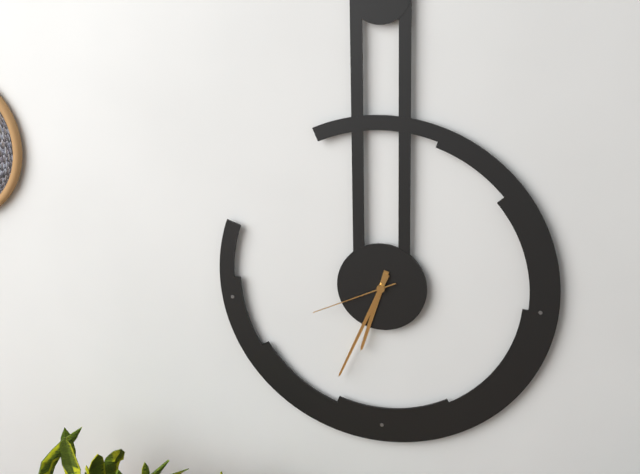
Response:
h=6 m=34 s=41
